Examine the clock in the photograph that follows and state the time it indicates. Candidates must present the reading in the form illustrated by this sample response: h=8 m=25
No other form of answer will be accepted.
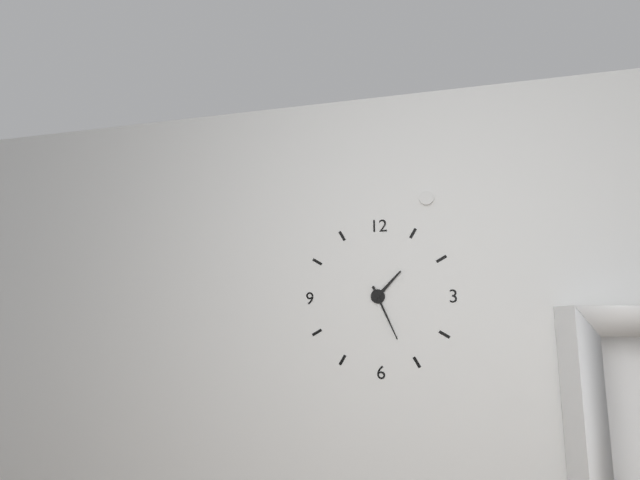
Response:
h=1 m=26
